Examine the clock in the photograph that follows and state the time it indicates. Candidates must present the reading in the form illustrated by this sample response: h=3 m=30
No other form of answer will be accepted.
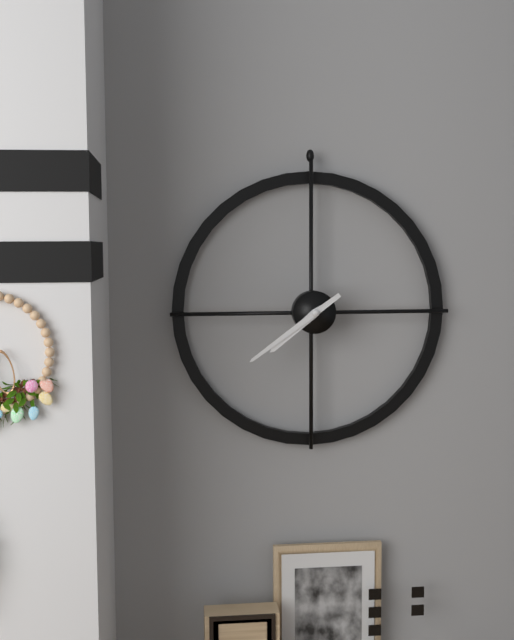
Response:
h=7 m=39
